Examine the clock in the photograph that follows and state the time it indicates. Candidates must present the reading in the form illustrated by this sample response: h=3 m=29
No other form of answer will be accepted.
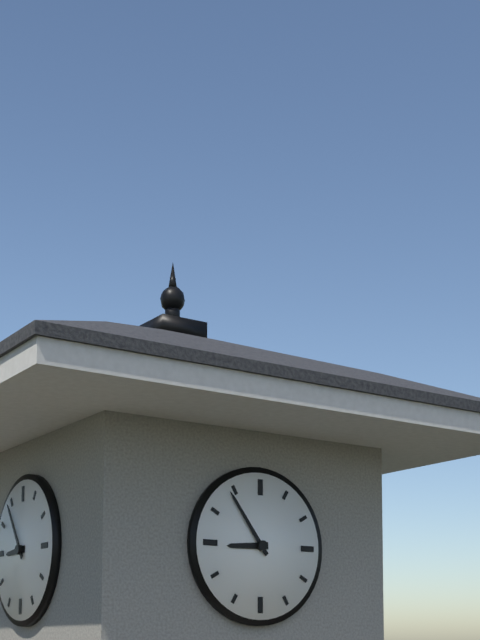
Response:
h=8 m=54
